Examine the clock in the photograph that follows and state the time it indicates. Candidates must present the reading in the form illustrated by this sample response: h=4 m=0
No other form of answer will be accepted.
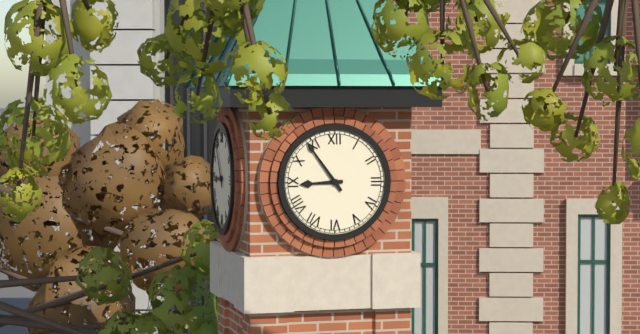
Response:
h=8 m=54
